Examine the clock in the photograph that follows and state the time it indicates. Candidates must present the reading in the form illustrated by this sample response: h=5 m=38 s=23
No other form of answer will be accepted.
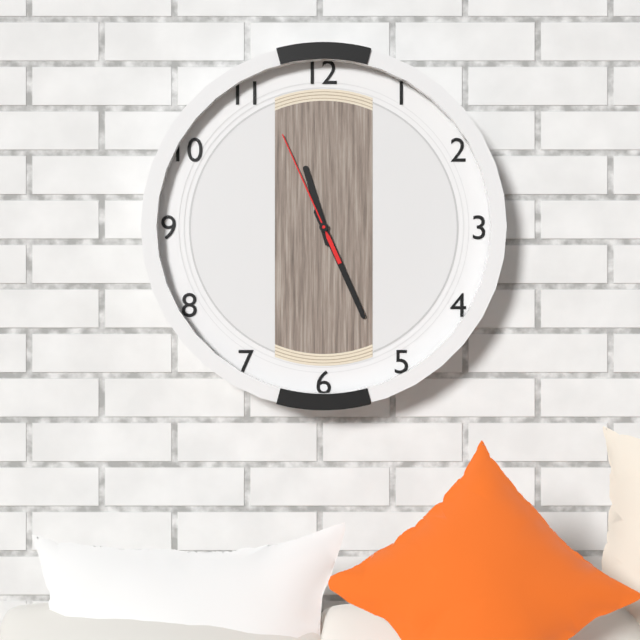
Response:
h=11 m=26 s=56
